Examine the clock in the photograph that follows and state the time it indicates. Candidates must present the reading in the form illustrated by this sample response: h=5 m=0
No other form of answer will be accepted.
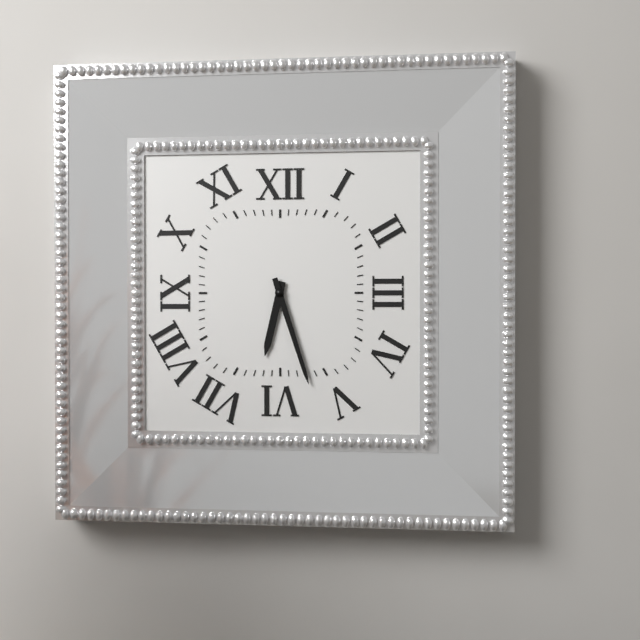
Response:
h=6 m=27
